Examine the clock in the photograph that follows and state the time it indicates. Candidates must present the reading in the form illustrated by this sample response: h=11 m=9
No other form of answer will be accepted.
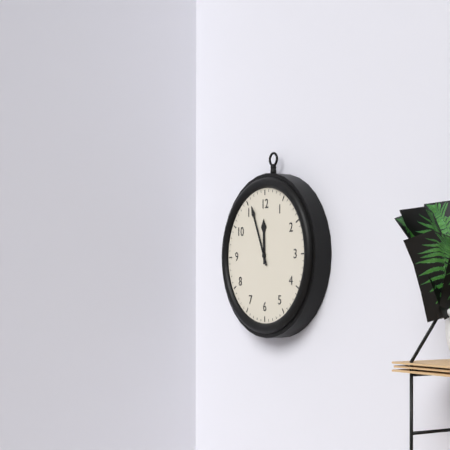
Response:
h=11 m=56
